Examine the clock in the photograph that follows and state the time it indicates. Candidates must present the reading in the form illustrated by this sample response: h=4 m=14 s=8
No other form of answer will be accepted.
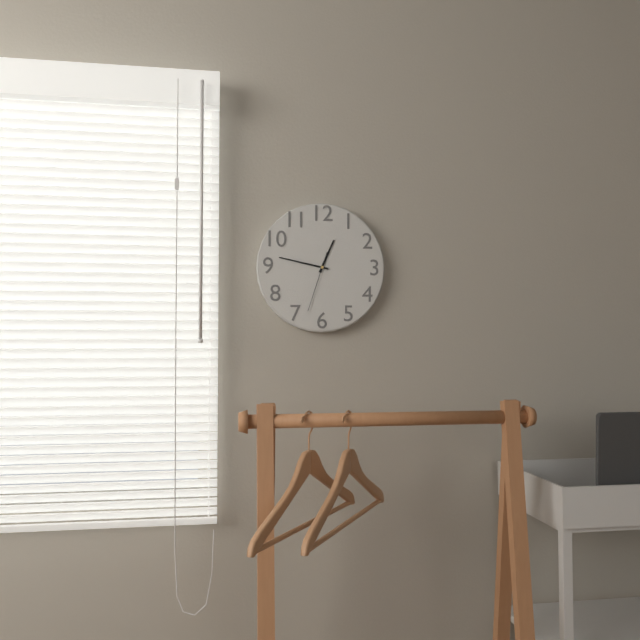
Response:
h=12 m=47 s=33
